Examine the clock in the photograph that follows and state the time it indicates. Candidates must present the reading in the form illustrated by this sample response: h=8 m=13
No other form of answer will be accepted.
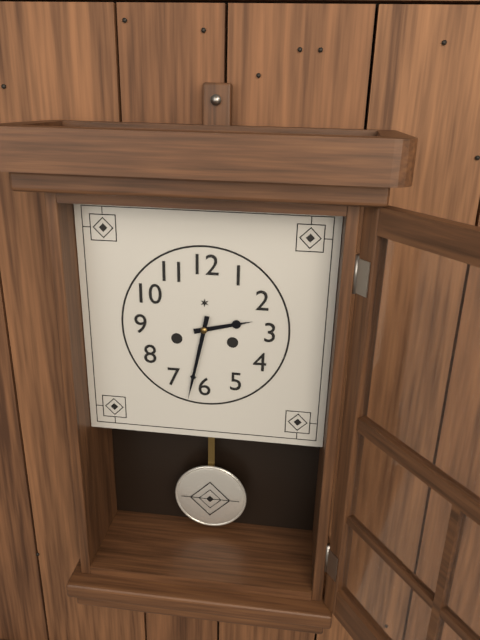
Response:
h=2 m=32
